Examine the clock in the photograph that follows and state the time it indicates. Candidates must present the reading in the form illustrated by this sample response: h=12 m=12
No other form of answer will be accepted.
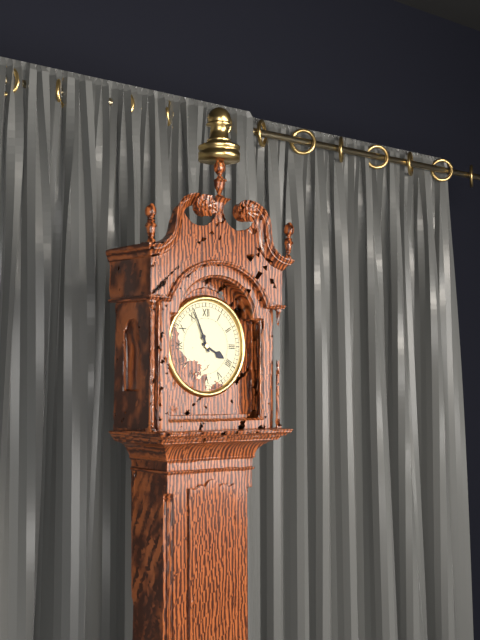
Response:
h=3 m=56
